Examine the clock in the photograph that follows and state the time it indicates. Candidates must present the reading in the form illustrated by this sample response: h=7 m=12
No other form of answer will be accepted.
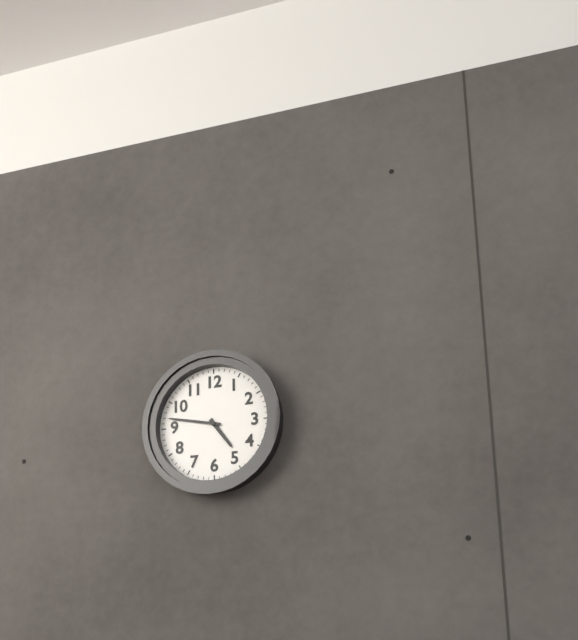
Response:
h=4 m=47
